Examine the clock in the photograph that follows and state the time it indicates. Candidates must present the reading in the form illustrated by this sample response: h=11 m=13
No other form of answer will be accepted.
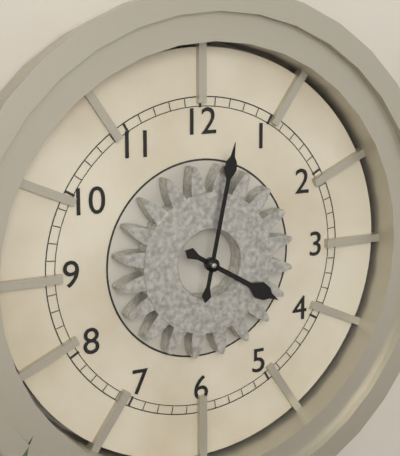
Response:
h=4 m=2
